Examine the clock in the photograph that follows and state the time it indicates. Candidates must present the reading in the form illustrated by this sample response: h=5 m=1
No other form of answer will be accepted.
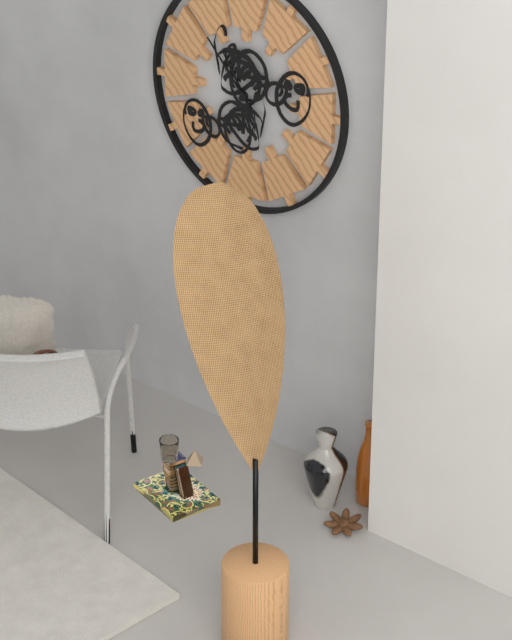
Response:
h=10 m=53
